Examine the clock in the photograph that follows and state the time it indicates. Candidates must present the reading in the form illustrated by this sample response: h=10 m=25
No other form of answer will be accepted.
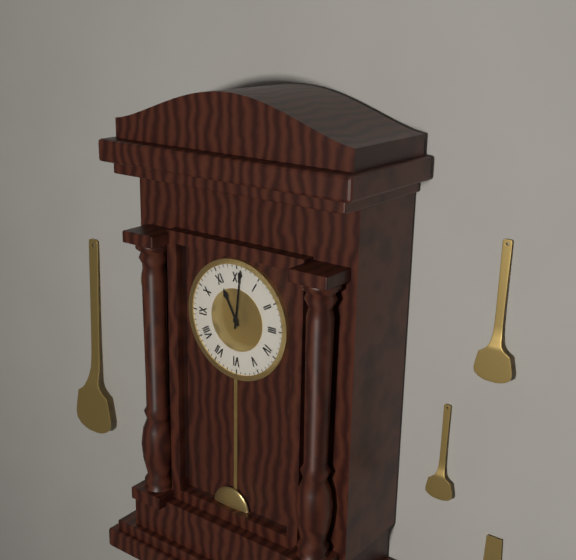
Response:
h=11 m=1
